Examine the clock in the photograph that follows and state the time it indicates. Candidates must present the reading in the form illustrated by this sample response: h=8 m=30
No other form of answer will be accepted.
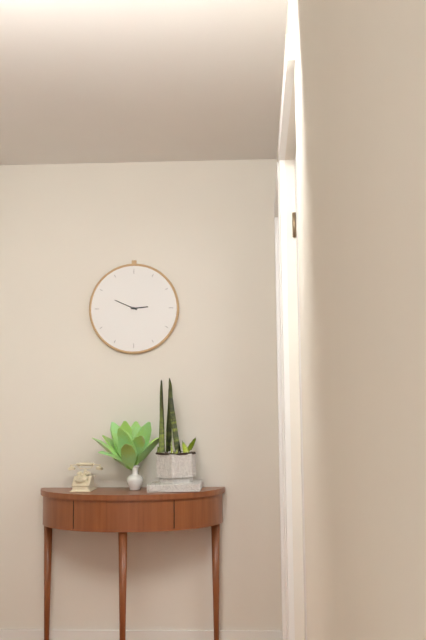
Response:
h=2 m=49
